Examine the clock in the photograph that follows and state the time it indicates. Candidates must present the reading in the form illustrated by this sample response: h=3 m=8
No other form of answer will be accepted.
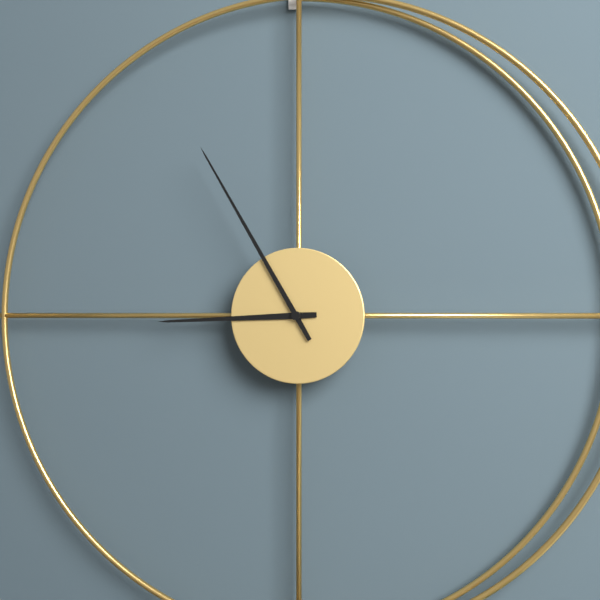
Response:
h=8 m=55
